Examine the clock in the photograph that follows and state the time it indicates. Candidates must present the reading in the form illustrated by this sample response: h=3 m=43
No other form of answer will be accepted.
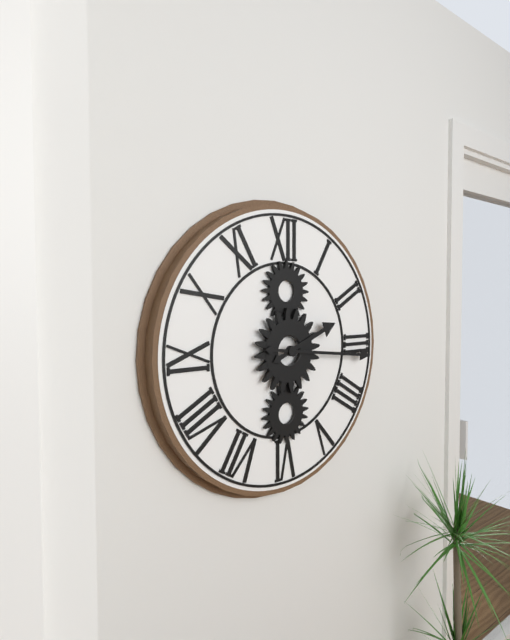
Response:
h=2 m=16
